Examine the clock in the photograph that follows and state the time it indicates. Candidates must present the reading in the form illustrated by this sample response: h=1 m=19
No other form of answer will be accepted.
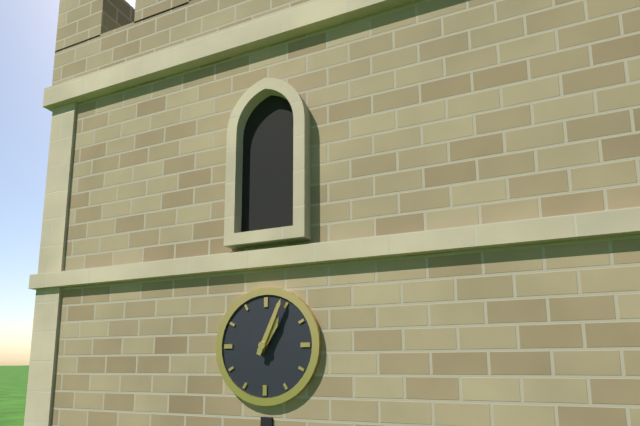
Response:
h=1 m=4
